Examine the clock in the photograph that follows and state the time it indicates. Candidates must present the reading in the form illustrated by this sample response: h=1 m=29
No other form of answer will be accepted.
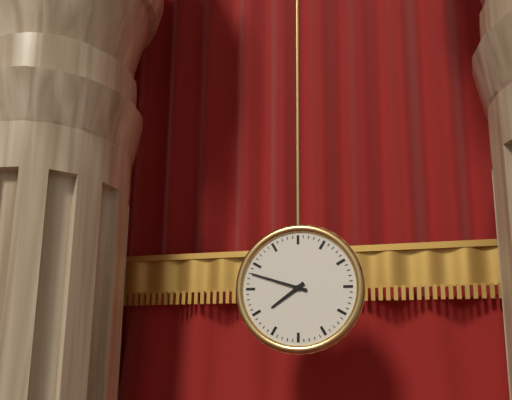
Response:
h=7 m=48
